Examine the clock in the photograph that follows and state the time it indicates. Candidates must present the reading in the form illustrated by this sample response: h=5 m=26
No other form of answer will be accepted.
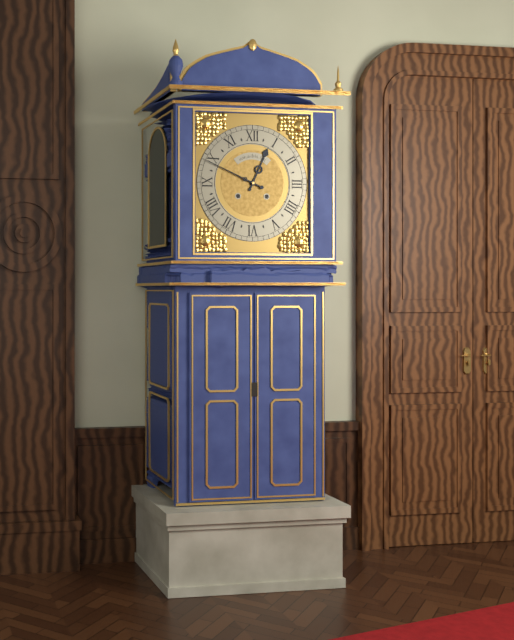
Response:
h=12 m=49
